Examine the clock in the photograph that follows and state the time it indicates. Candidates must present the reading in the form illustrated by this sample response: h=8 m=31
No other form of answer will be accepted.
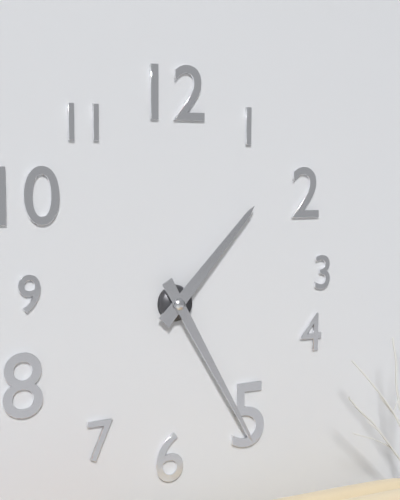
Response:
h=1 m=25
